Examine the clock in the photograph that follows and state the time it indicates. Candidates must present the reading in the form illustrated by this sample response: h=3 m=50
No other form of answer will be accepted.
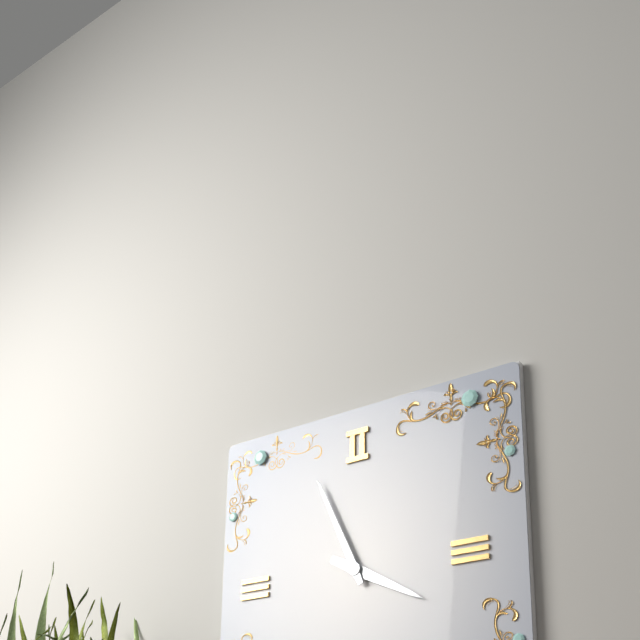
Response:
h=3 m=56
